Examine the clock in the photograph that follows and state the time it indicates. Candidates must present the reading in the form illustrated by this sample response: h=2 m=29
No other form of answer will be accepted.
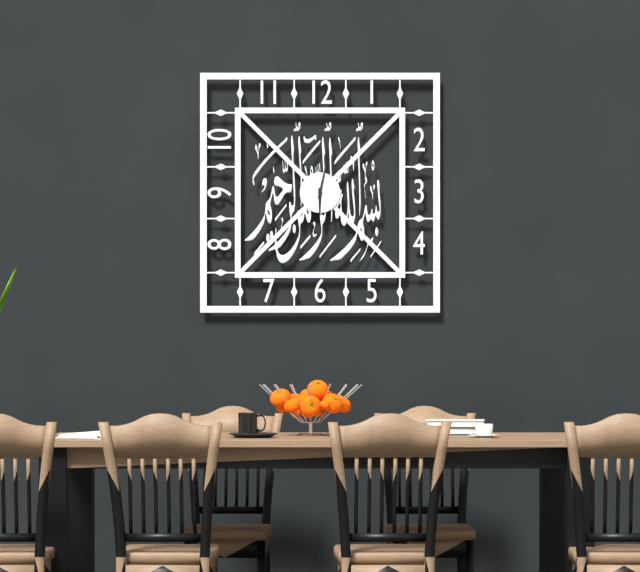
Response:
h=6 m=2
